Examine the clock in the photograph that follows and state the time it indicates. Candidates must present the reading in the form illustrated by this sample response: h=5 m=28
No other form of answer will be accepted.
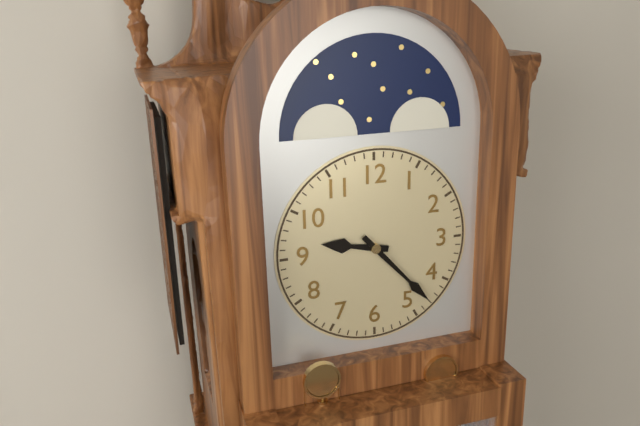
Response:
h=9 m=23
